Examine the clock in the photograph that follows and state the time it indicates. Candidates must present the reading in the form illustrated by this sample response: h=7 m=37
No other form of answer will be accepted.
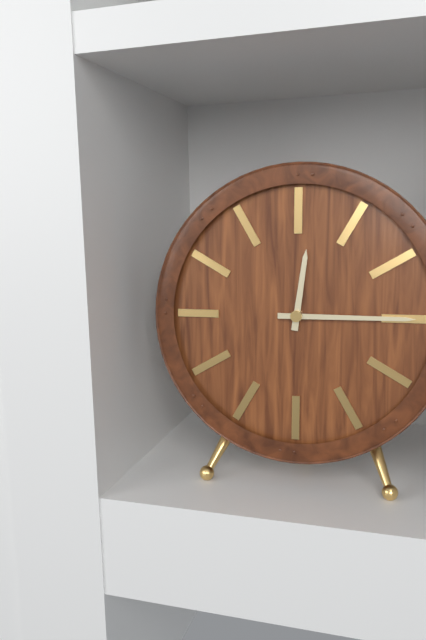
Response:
h=12 m=15
